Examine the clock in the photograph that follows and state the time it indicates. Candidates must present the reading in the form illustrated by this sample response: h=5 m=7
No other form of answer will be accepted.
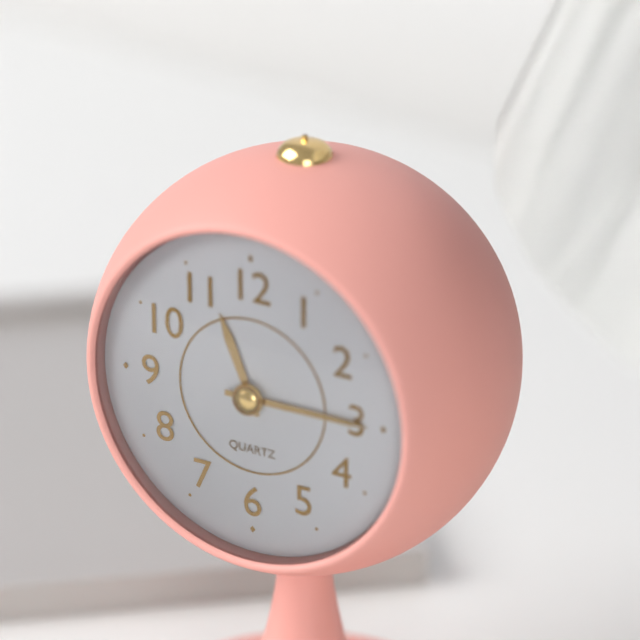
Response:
h=11 m=15
